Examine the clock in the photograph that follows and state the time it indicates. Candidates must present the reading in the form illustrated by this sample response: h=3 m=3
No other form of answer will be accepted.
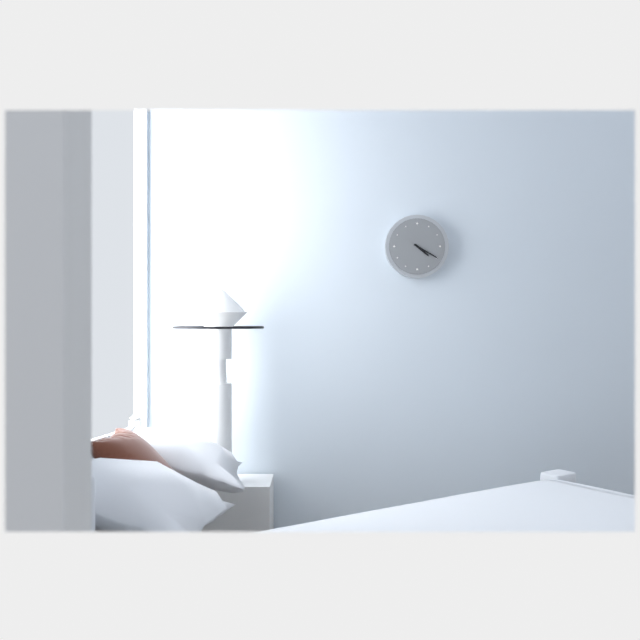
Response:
h=4 m=20
